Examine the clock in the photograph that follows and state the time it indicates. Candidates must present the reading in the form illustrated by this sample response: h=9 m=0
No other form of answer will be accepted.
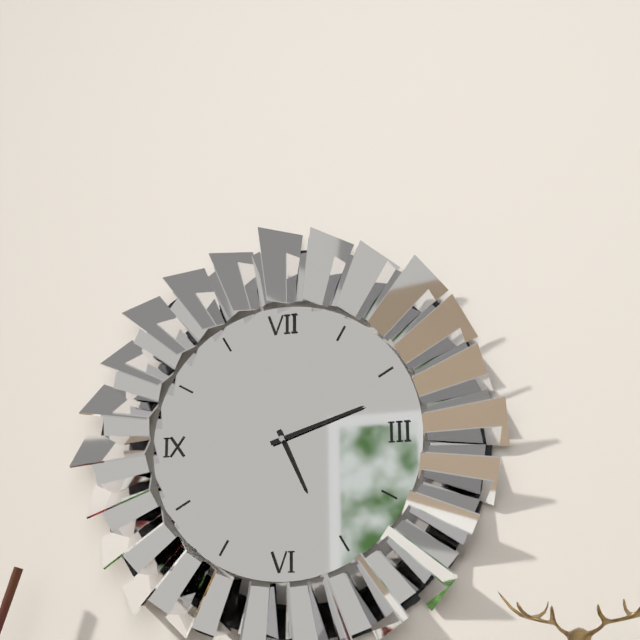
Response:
h=5 m=12
